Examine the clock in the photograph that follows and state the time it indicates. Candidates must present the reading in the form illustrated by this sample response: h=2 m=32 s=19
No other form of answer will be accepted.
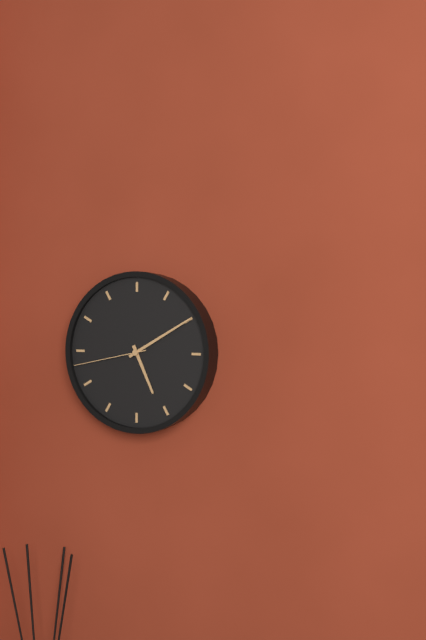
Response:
h=5 m=10 s=43
